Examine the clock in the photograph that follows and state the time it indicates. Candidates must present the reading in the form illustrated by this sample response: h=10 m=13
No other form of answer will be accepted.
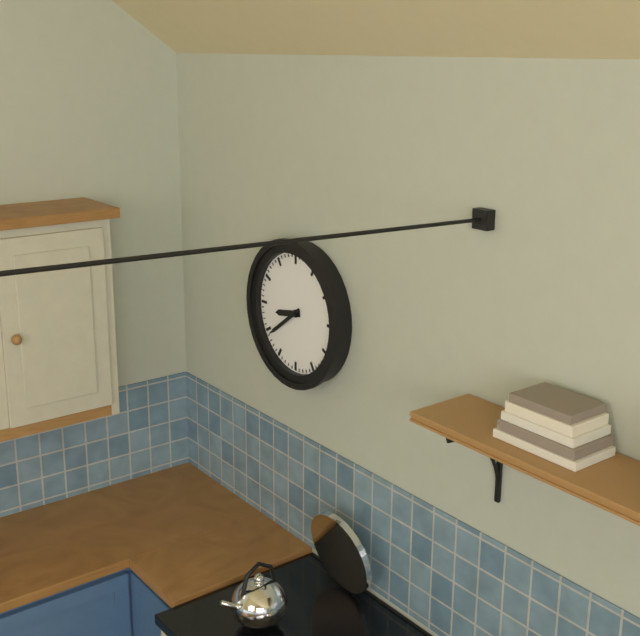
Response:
h=8 m=39
